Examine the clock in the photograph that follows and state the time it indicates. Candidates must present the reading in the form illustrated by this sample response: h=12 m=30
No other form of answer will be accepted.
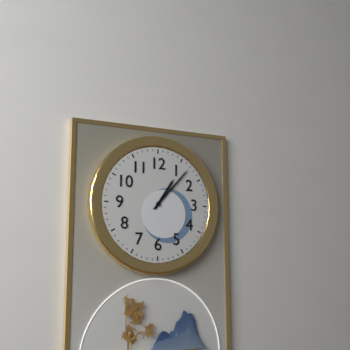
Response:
h=1 m=7
